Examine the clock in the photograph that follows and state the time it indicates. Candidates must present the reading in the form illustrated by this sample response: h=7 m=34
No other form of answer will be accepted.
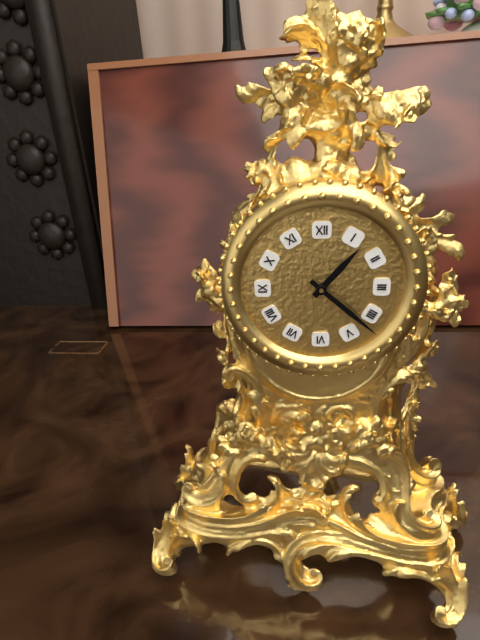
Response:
h=1 m=22
